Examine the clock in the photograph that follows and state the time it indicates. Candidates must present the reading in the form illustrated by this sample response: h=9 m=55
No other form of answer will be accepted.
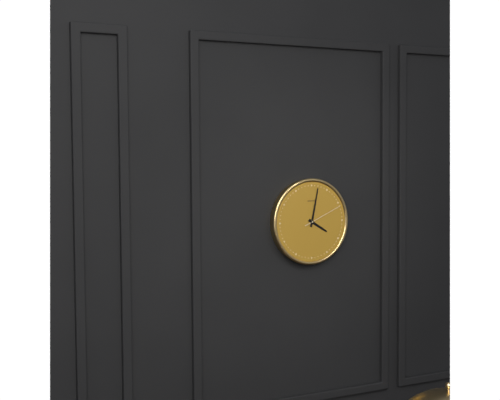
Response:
h=4 m=2
